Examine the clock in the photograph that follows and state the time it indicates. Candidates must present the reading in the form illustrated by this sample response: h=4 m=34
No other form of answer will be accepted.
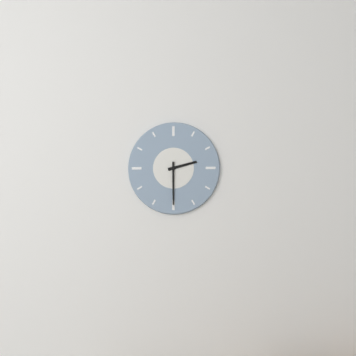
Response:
h=2 m=30
